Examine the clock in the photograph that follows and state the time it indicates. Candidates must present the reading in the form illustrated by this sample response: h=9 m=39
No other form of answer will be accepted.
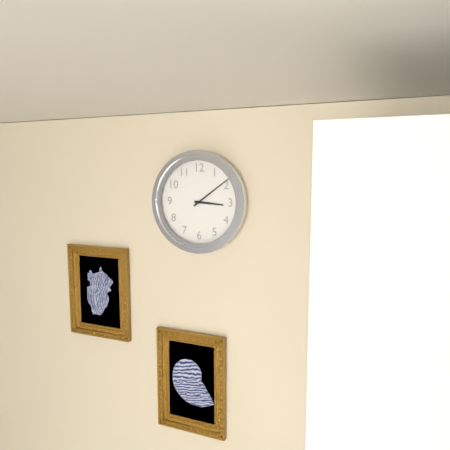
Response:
h=3 m=9
